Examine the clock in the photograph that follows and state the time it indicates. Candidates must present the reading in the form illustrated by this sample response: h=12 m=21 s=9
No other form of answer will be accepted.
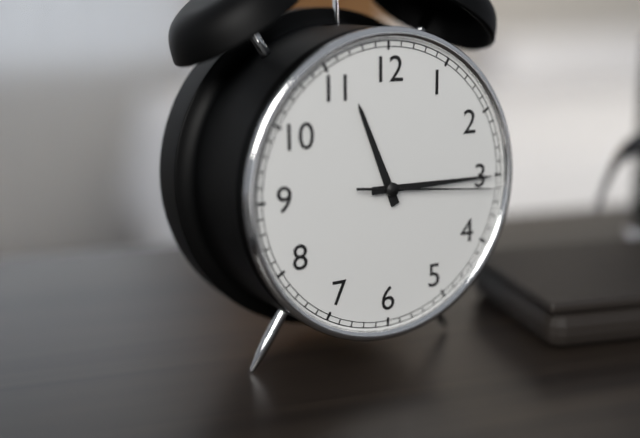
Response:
h=11 m=15 s=16
